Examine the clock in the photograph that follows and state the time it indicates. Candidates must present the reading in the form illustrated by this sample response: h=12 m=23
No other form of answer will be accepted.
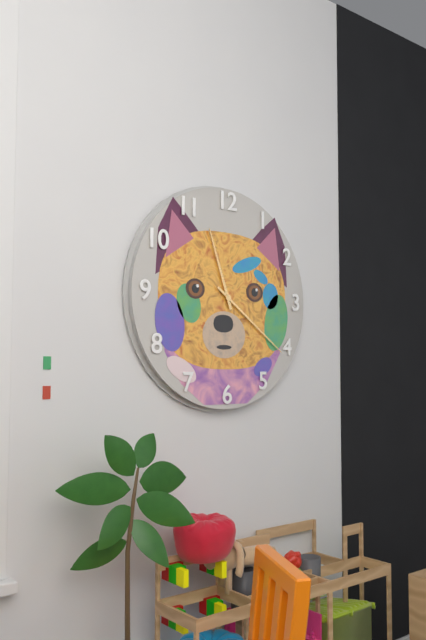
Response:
h=11 m=21
